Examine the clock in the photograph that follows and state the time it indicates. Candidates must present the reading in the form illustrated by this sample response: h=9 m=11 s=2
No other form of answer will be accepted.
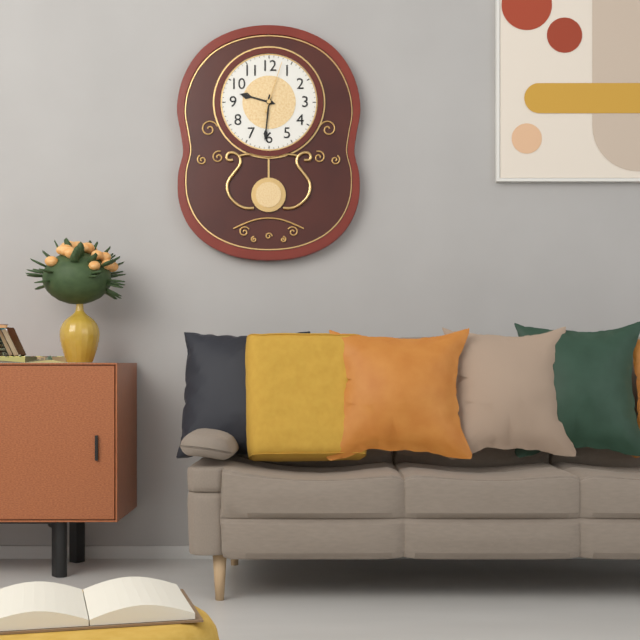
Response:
h=9 m=31 s=3
